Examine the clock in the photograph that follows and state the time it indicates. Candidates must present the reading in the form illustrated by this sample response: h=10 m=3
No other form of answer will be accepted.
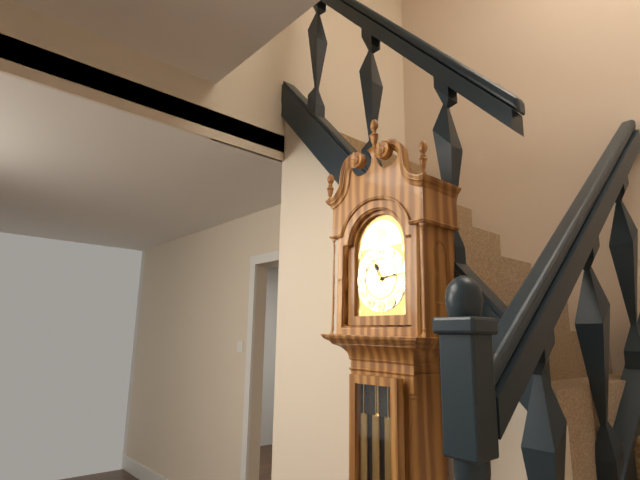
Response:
h=11 m=14
